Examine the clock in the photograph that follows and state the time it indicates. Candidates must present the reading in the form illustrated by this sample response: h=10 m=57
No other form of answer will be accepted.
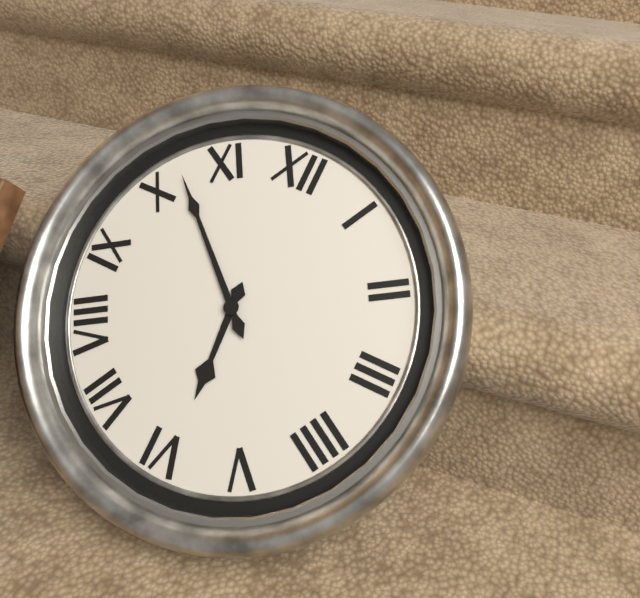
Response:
h=5 m=52
